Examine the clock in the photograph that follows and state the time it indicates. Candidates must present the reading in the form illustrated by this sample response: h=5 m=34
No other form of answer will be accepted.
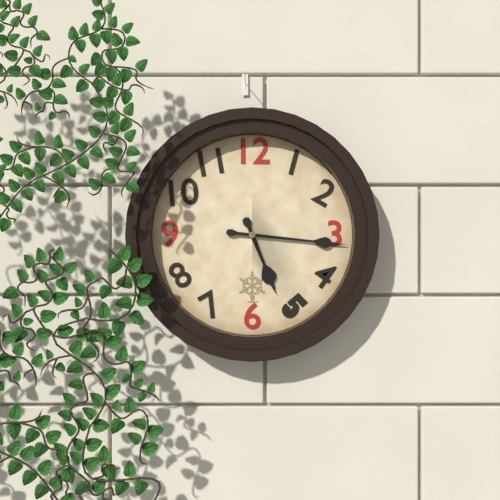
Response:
h=5 m=16
